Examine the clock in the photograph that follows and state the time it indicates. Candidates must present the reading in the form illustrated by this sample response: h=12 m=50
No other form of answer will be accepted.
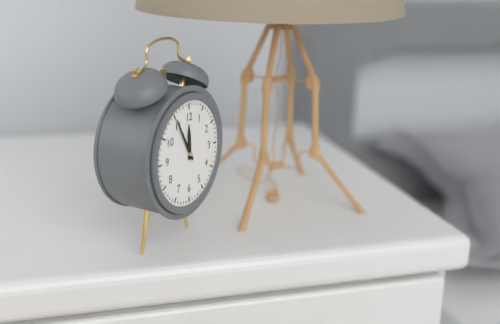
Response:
h=11 m=55
